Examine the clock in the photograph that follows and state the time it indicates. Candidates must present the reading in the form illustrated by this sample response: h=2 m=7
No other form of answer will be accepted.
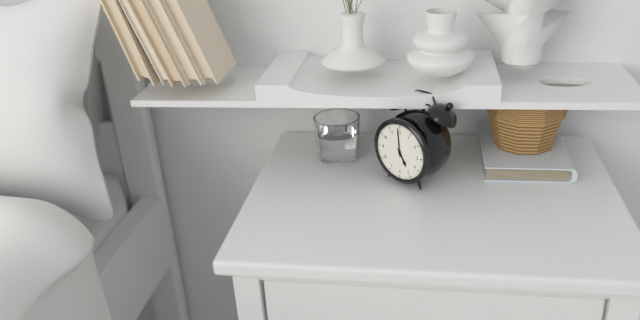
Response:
h=4 m=59
